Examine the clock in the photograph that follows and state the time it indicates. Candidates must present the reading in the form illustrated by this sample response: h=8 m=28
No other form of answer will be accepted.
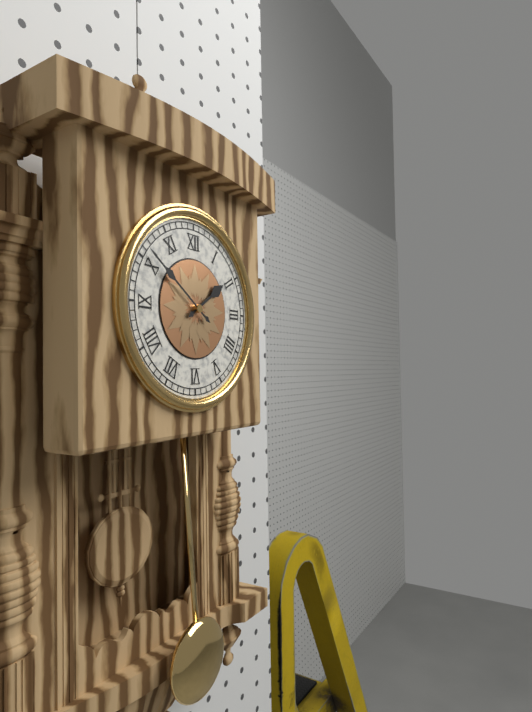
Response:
h=1 m=51
